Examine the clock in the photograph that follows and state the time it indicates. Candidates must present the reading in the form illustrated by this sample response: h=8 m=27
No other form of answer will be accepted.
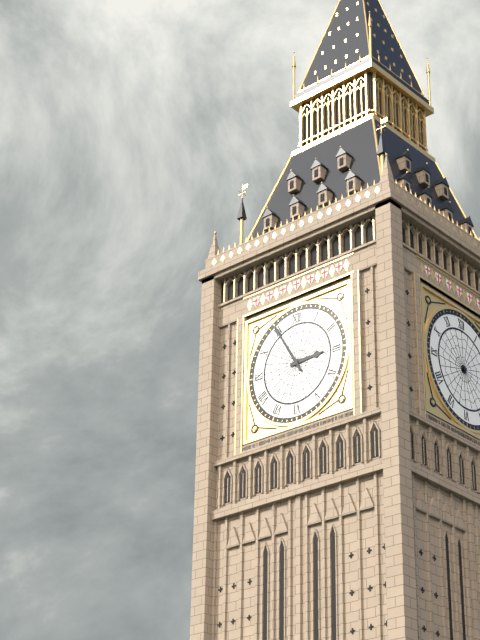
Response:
h=2 m=55
